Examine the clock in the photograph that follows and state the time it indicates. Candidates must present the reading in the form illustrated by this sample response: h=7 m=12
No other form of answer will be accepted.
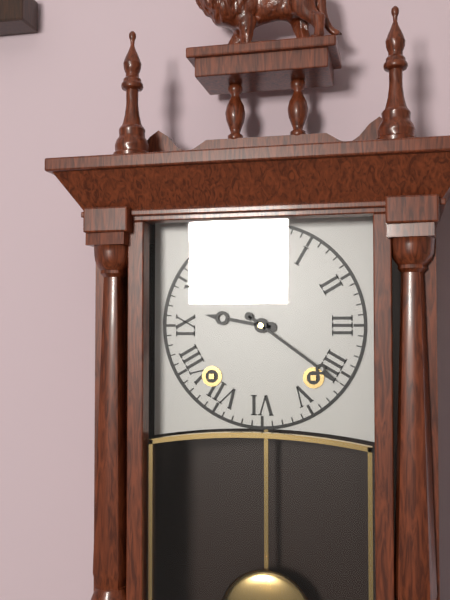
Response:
h=9 m=21
